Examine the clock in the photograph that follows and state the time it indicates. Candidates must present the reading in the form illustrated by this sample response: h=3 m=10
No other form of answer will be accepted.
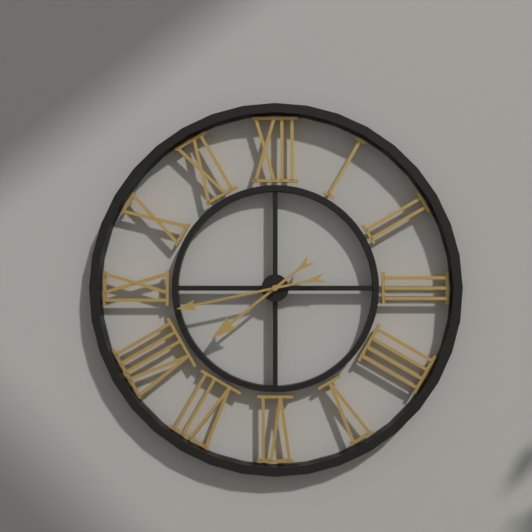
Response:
h=7 m=43
